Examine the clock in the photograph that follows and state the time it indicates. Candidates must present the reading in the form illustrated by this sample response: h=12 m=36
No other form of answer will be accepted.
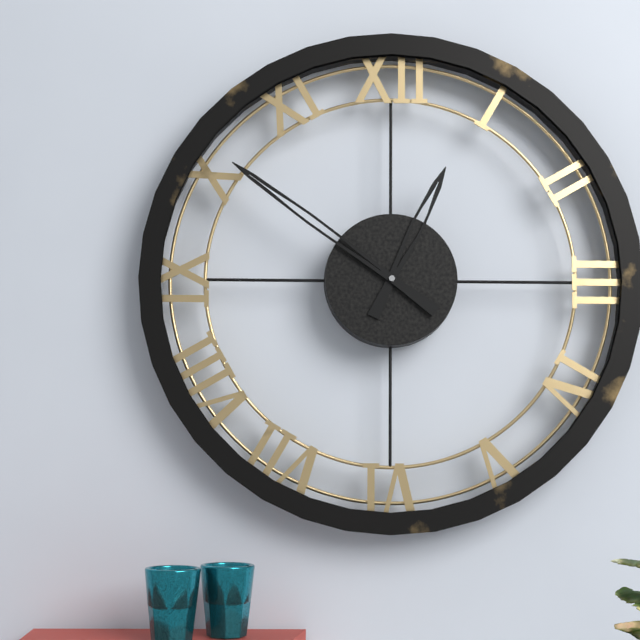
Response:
h=12 m=51
